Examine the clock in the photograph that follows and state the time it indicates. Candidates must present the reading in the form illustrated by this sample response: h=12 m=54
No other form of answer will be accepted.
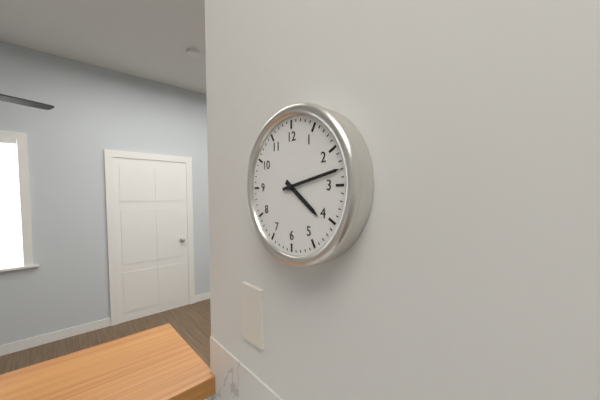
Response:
h=4 m=13
